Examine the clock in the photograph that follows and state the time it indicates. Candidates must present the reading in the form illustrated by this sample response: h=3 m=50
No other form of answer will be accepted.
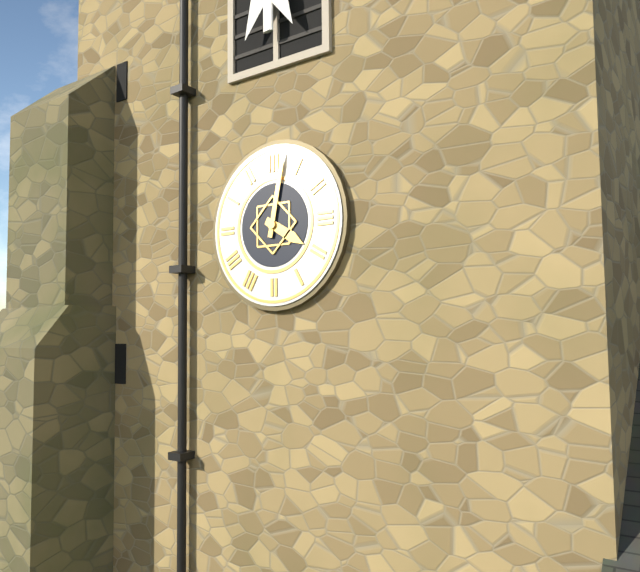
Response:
h=4 m=2
